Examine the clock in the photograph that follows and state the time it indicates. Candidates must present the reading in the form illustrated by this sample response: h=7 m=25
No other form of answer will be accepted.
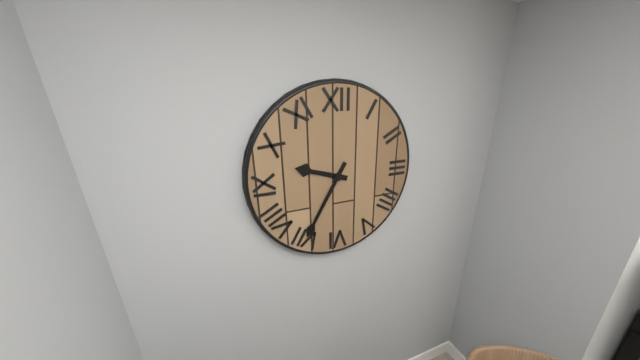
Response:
h=9 m=35
